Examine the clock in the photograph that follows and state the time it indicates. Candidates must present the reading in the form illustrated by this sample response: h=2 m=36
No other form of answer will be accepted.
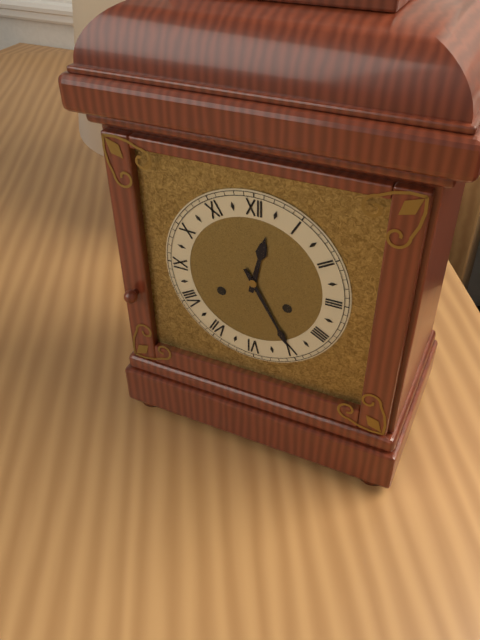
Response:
h=12 m=25
